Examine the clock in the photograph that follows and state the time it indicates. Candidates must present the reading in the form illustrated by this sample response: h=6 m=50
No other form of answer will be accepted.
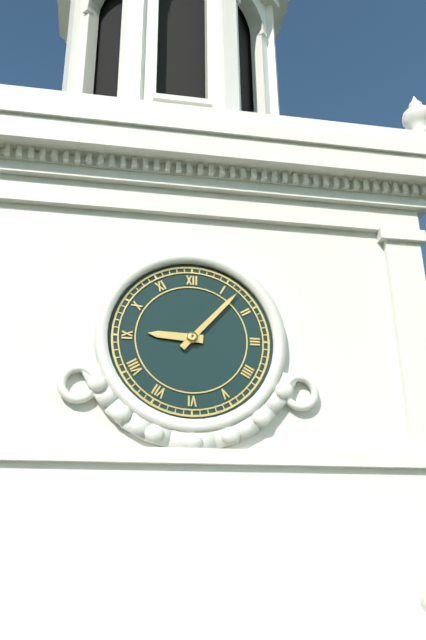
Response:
h=9 m=7
